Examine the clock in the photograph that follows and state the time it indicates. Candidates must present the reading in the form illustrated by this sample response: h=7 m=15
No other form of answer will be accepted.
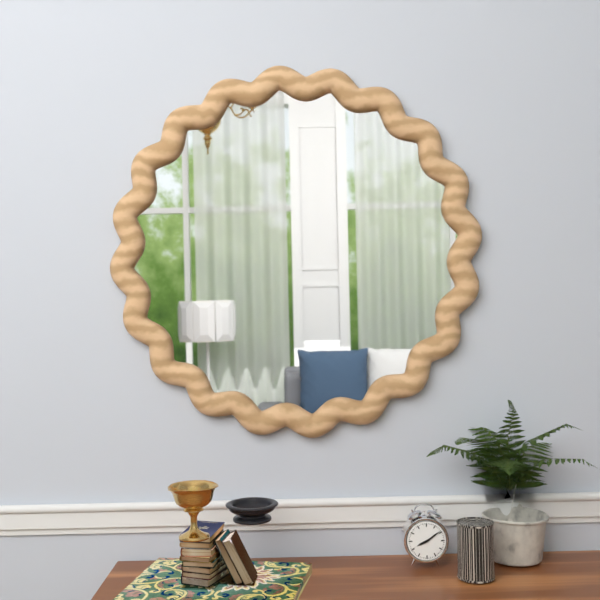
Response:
h=8 m=9
